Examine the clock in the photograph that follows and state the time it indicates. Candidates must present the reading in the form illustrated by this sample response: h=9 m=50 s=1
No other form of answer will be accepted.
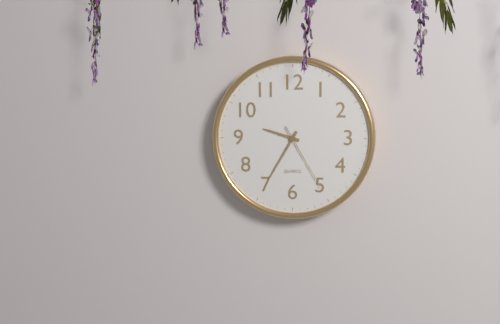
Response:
h=9 m=35 s=25
